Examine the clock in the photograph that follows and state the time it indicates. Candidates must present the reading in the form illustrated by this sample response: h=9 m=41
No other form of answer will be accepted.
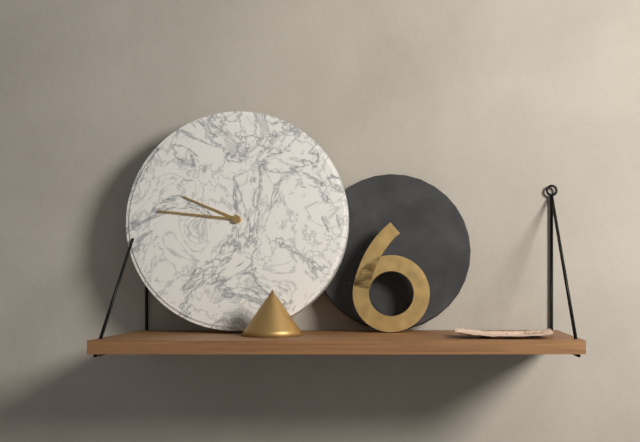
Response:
h=9 m=46
